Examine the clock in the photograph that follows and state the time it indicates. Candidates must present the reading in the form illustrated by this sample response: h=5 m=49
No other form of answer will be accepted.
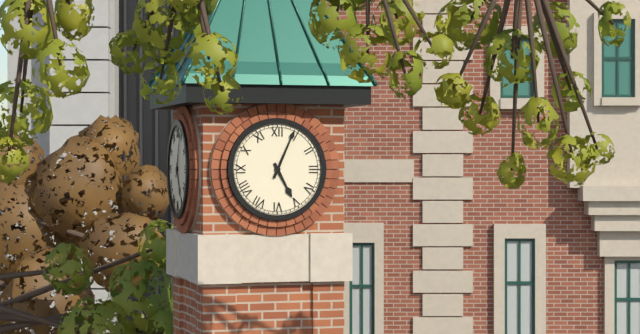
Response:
h=5 m=4
